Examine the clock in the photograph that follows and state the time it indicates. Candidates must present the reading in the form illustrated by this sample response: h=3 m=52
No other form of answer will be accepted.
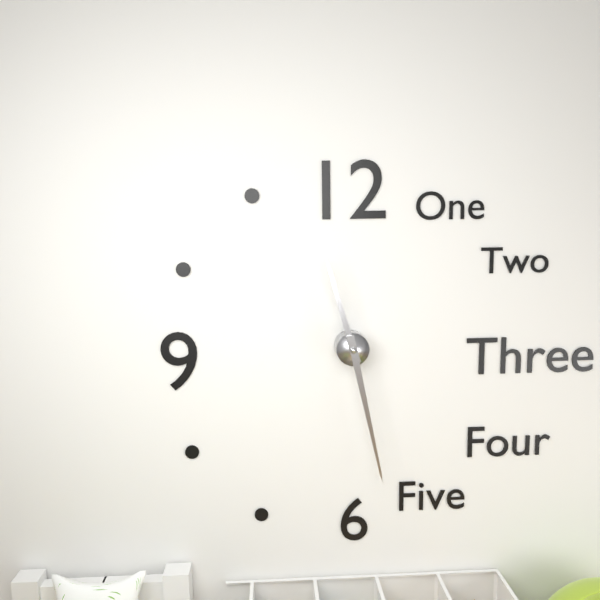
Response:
h=11 m=28
